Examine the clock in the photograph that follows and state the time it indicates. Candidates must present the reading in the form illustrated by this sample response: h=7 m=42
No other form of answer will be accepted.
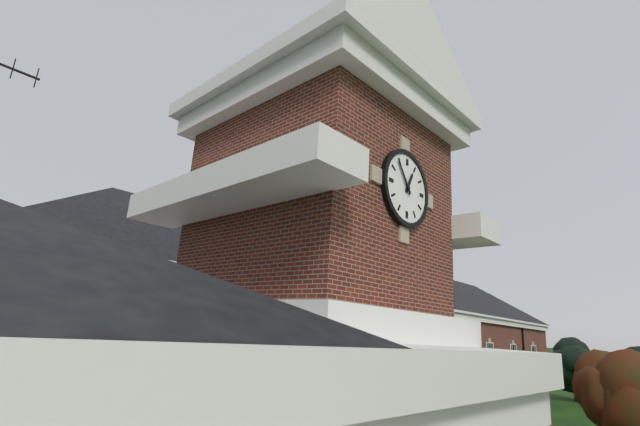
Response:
h=12 m=54
